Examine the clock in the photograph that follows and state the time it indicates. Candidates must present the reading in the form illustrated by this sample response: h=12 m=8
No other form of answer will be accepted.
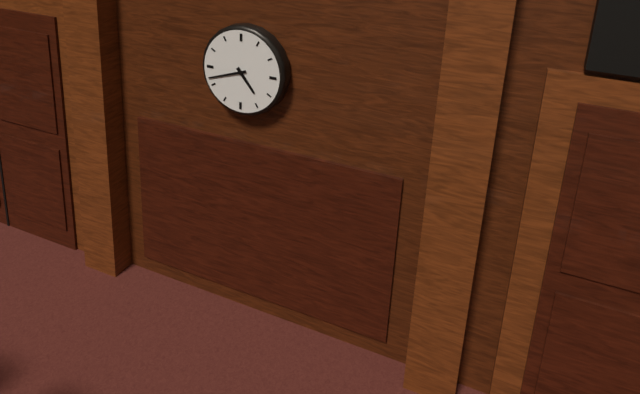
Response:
h=4 m=42
